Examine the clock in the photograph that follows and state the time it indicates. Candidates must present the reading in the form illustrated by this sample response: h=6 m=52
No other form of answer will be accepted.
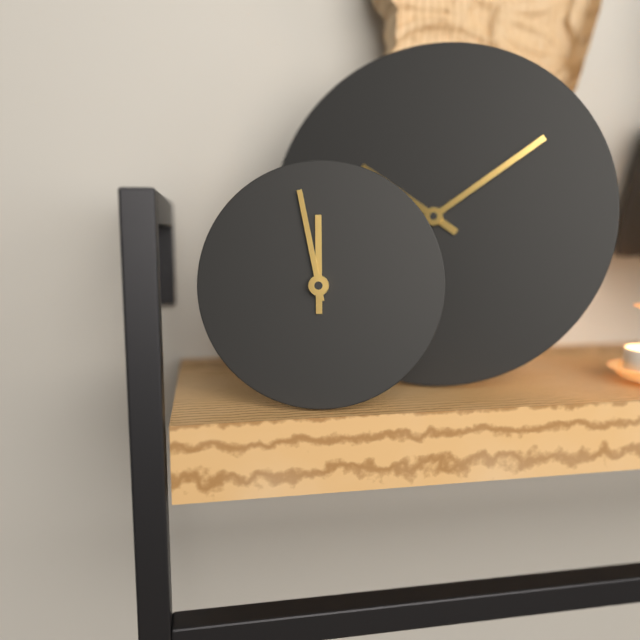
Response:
h=11 m=58
